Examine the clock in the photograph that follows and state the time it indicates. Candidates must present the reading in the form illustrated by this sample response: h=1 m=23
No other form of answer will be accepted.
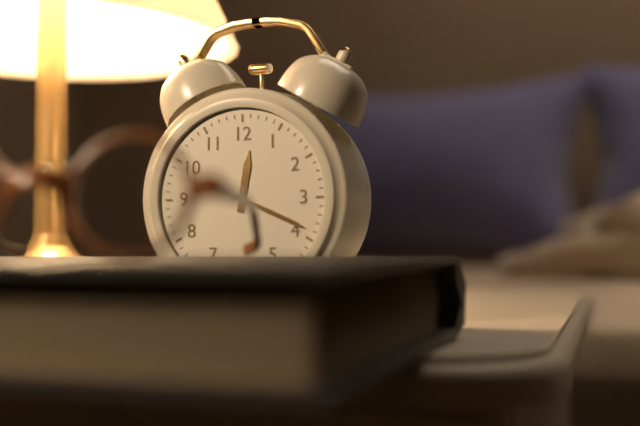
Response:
h=12 m=19
